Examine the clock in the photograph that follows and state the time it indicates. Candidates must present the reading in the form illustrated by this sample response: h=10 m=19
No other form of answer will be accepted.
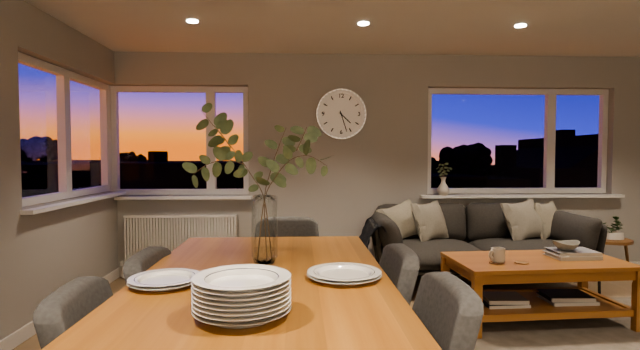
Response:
h=4 m=27
